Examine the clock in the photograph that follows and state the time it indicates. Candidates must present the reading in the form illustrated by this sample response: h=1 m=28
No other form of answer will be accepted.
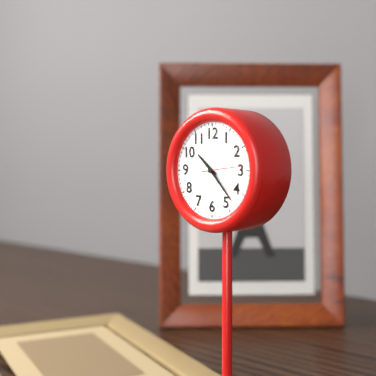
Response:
h=10 m=23
